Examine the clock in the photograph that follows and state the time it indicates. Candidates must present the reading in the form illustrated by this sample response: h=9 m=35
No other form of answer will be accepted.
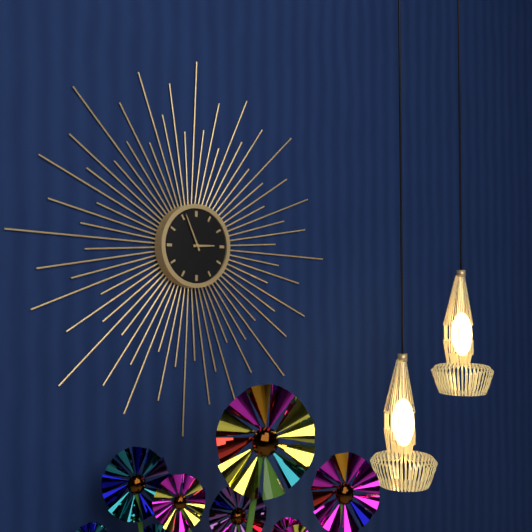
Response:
h=2 m=56
